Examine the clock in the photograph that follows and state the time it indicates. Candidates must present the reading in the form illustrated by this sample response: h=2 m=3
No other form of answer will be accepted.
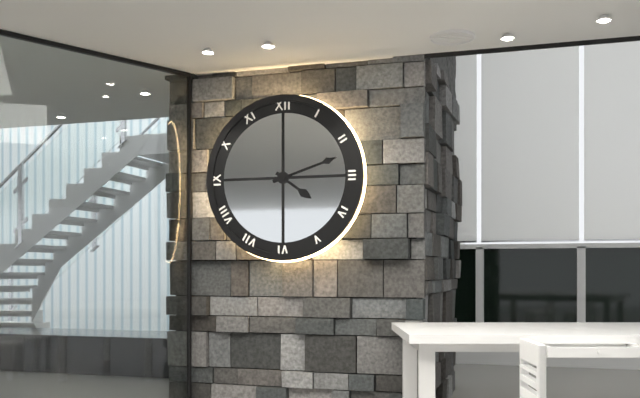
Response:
h=4 m=12
